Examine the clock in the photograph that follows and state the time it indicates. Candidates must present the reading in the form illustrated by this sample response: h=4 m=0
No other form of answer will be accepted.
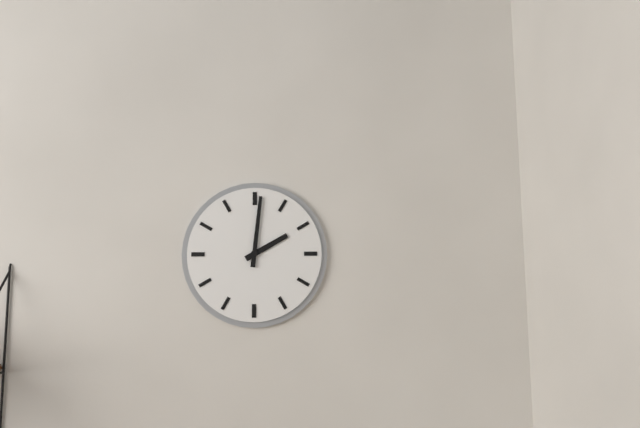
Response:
h=2 m=1
